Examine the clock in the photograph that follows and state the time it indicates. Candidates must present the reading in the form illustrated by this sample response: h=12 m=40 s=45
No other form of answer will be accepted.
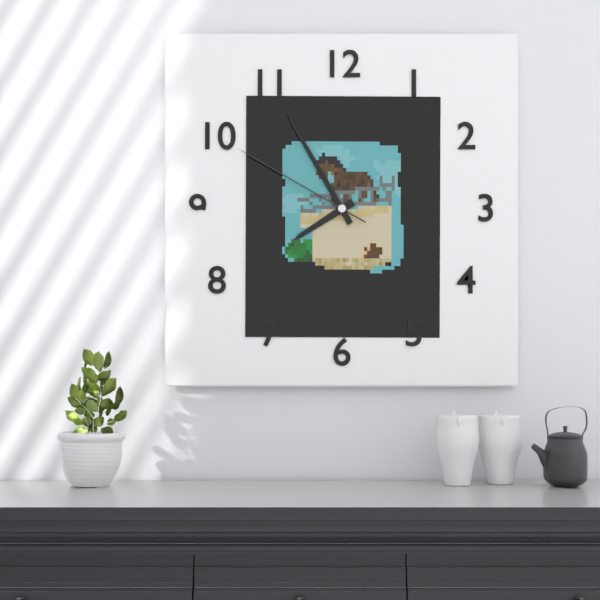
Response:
h=7 m=55 s=50
